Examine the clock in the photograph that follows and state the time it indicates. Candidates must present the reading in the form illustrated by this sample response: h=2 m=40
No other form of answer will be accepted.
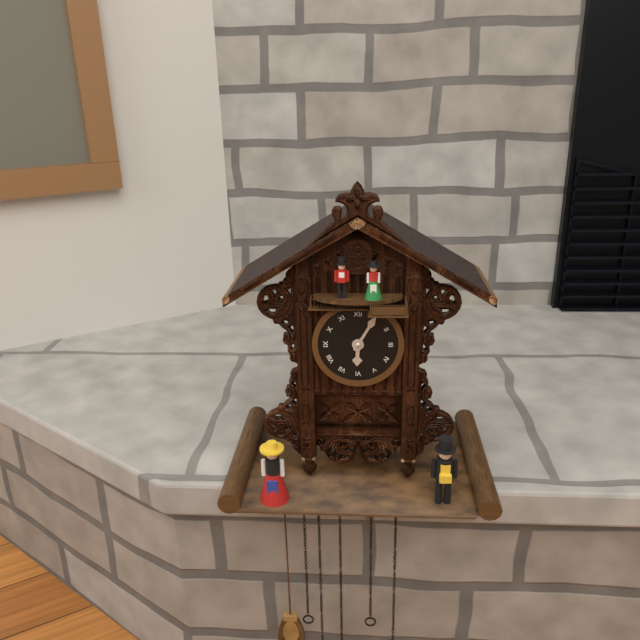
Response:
h=6 m=5
